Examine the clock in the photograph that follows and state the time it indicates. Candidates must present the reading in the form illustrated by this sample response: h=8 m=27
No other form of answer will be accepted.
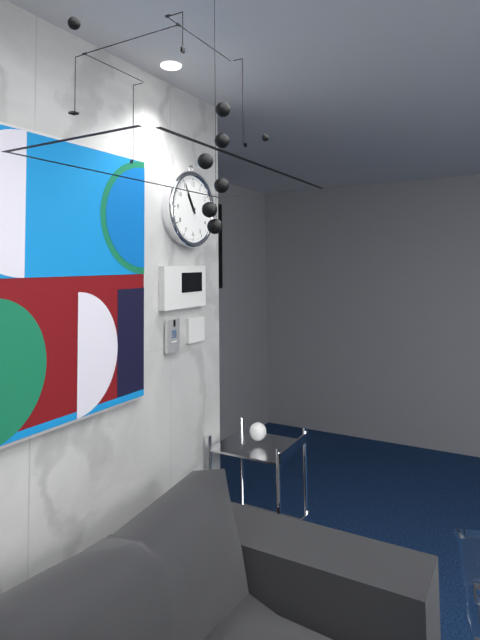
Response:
h=10 m=55
